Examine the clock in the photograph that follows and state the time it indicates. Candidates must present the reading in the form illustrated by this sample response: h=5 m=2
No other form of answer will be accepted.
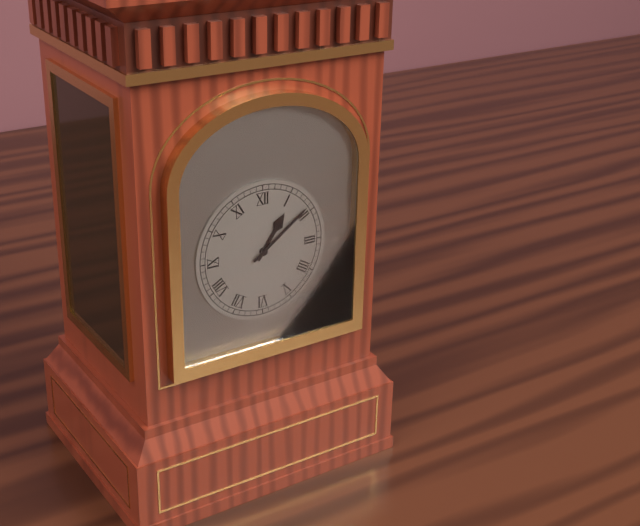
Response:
h=1 m=9
